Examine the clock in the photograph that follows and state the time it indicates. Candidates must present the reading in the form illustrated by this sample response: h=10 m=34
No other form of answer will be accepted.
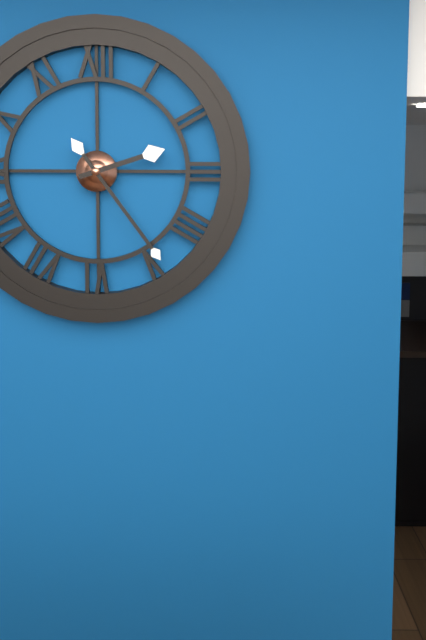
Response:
h=2 m=24
